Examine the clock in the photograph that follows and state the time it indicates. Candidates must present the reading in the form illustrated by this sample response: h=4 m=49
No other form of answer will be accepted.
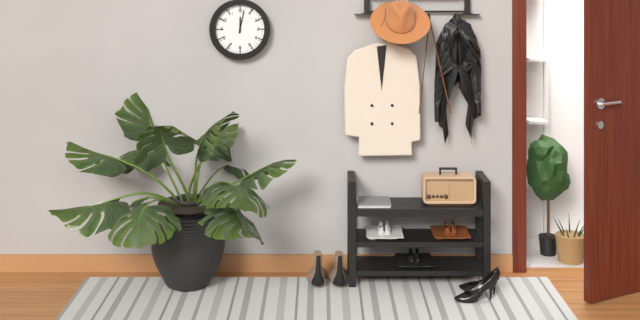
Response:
h=12 m=2
